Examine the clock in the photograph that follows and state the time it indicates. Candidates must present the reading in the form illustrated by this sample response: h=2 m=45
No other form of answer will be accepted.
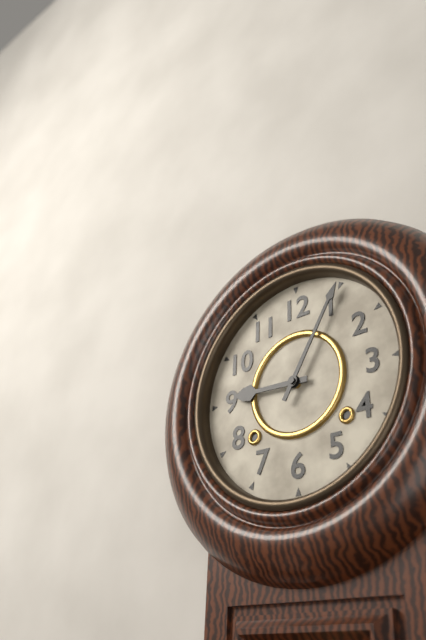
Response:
h=9 m=5
